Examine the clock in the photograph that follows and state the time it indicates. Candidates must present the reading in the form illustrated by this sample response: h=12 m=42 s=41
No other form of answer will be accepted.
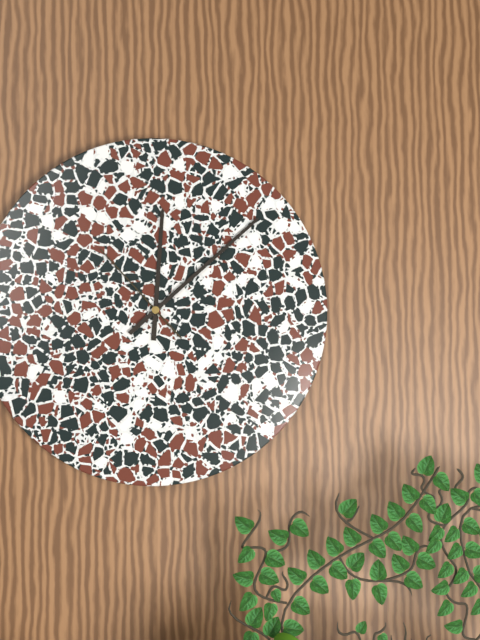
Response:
h=12 m=8 s=53
